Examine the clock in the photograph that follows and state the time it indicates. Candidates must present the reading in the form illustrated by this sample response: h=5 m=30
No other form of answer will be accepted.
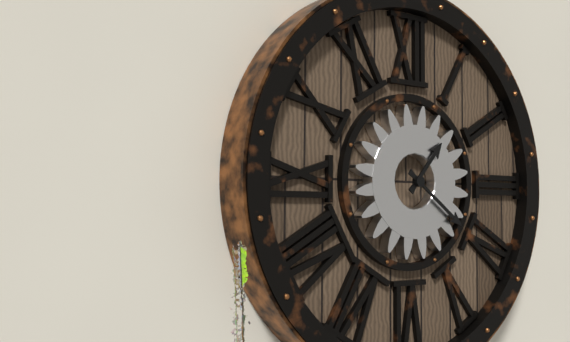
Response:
h=1 m=21
